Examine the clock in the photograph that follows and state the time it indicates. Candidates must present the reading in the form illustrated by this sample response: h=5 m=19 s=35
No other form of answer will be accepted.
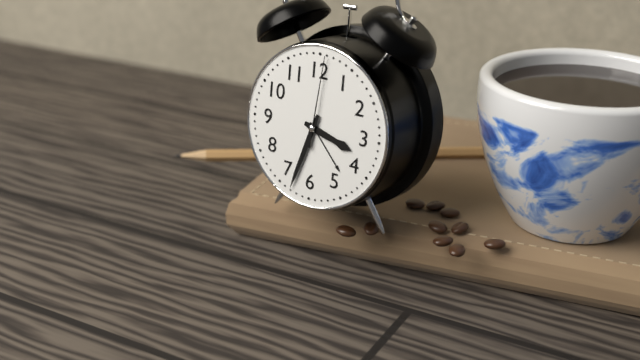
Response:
h=3 m=33 s=1
